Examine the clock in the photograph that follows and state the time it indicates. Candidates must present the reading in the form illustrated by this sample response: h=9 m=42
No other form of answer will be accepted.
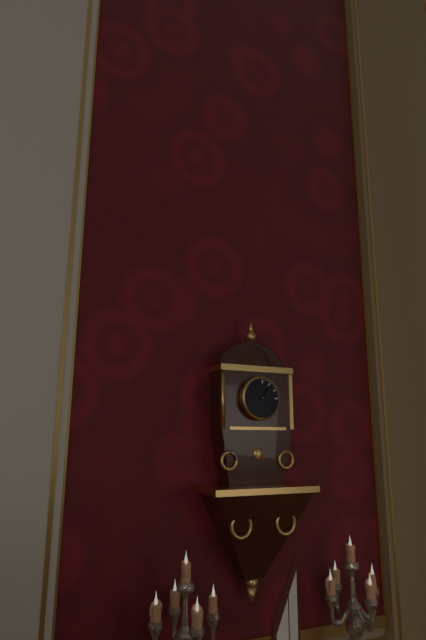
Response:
h=10 m=6
